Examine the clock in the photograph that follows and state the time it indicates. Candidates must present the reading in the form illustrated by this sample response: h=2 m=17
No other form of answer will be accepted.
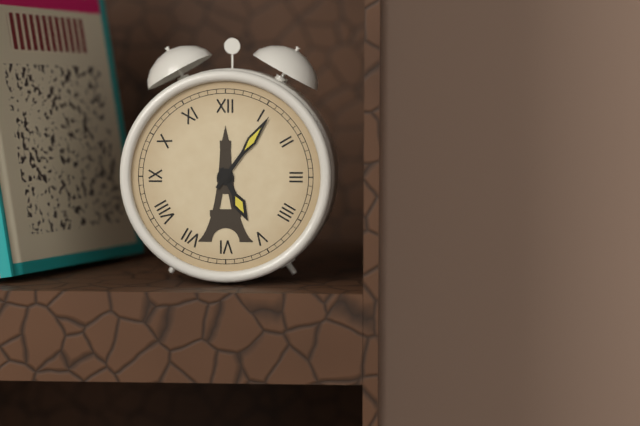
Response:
h=5 m=6
